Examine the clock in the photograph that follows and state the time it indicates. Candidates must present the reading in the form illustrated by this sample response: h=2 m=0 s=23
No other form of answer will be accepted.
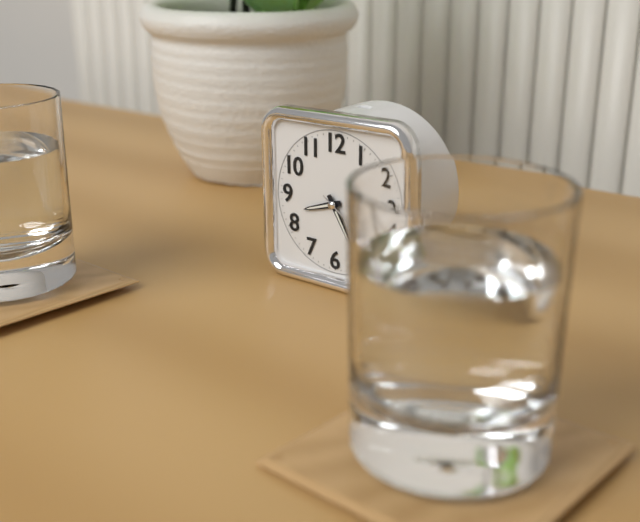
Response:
h=8 m=25 s=21
